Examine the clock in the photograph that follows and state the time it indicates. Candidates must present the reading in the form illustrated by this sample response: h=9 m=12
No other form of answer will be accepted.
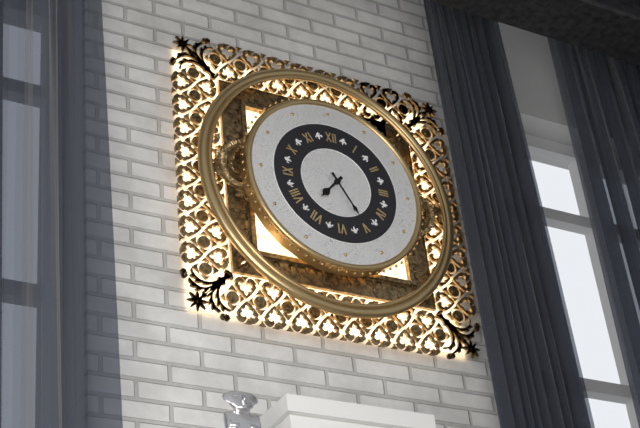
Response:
h=7 m=25
